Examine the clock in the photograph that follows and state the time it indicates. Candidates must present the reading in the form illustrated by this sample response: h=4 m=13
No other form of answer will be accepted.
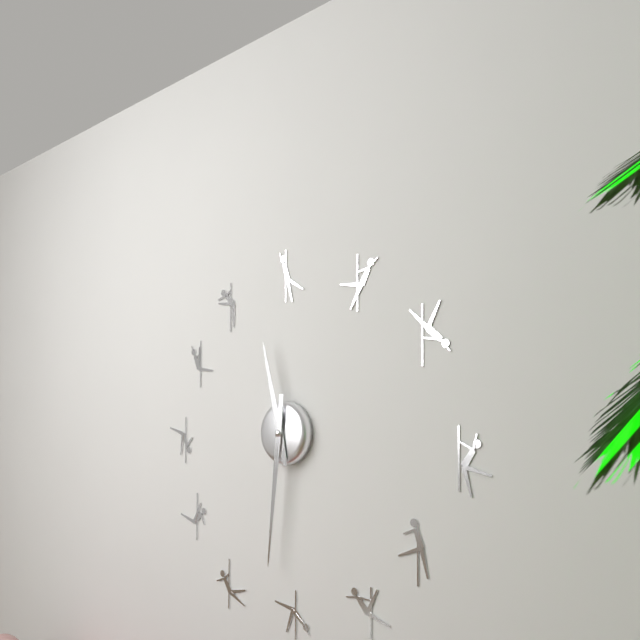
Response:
h=11 m=31
